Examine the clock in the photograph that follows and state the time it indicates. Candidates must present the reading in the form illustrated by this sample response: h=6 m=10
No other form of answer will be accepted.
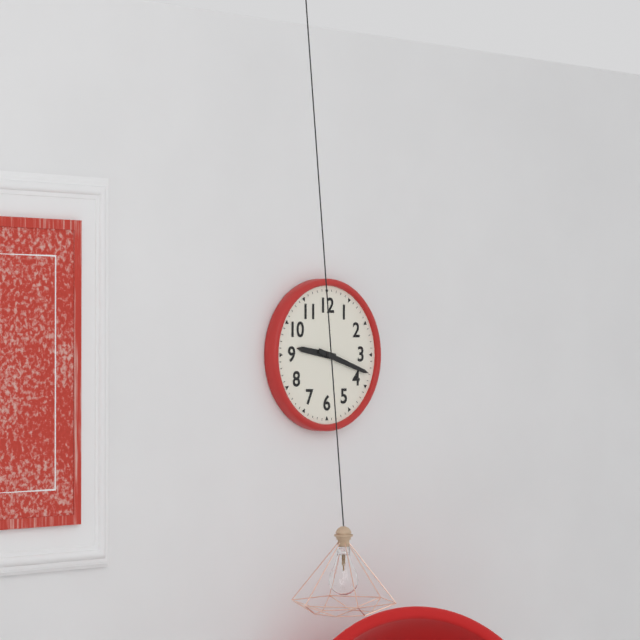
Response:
h=9 m=18
